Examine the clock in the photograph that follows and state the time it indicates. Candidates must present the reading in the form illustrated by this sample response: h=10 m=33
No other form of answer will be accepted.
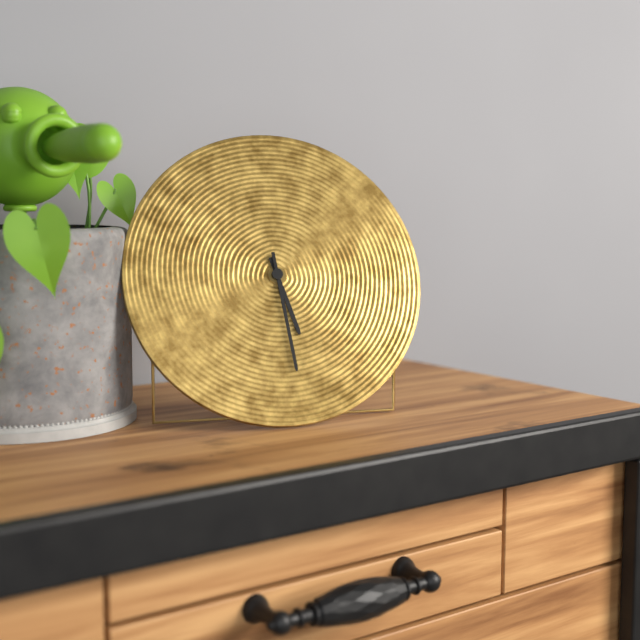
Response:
h=5 m=29
